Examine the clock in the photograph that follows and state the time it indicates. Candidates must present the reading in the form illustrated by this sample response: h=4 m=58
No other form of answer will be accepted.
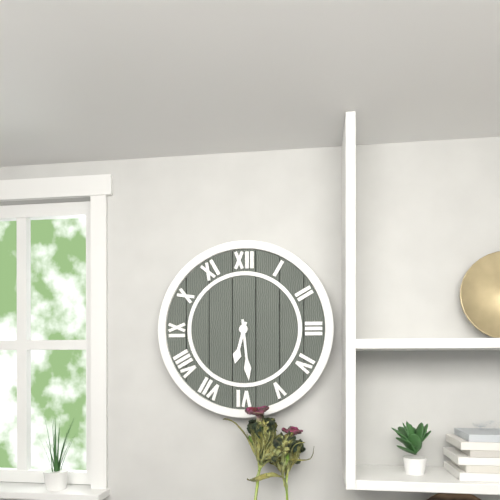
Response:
h=6 m=29
